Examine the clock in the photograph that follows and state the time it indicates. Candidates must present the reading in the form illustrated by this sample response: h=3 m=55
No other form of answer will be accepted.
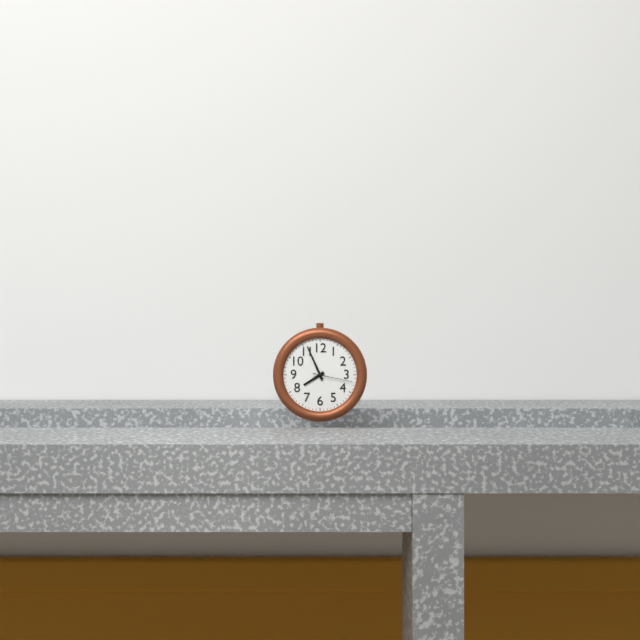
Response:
h=7 m=56
